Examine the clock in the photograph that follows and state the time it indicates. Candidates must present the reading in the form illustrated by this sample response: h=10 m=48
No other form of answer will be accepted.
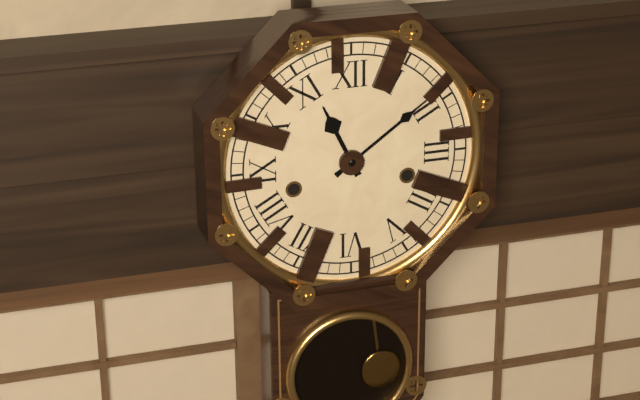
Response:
h=11 m=9
